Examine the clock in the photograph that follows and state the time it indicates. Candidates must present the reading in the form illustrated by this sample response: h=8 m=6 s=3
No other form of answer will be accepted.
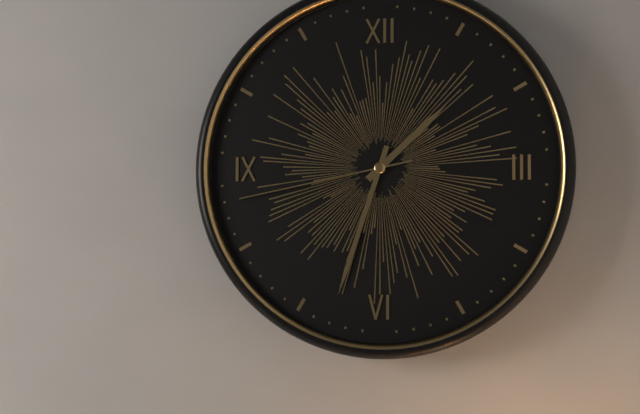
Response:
h=1 m=33 s=43
